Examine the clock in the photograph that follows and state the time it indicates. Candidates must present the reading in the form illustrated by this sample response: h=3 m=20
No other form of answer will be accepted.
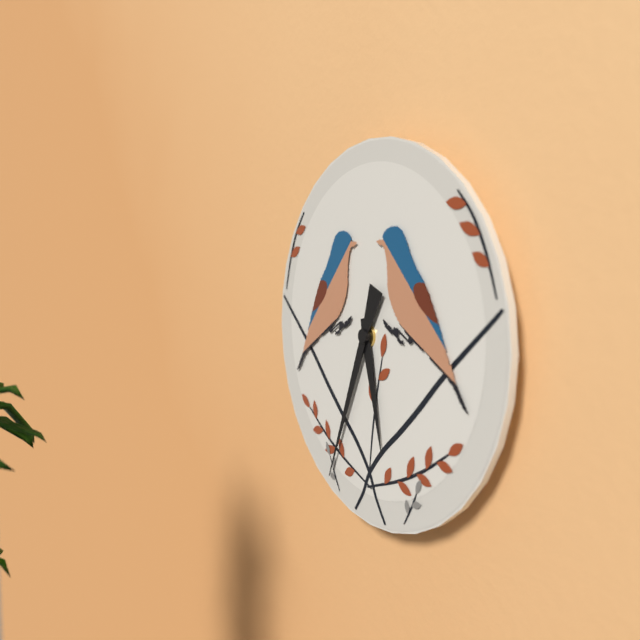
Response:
h=5 m=34
